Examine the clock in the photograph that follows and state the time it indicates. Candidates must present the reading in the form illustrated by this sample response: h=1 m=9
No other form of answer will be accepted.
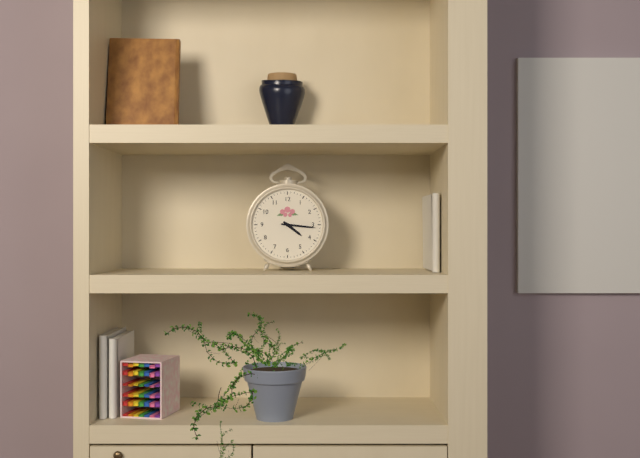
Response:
h=4 m=16
